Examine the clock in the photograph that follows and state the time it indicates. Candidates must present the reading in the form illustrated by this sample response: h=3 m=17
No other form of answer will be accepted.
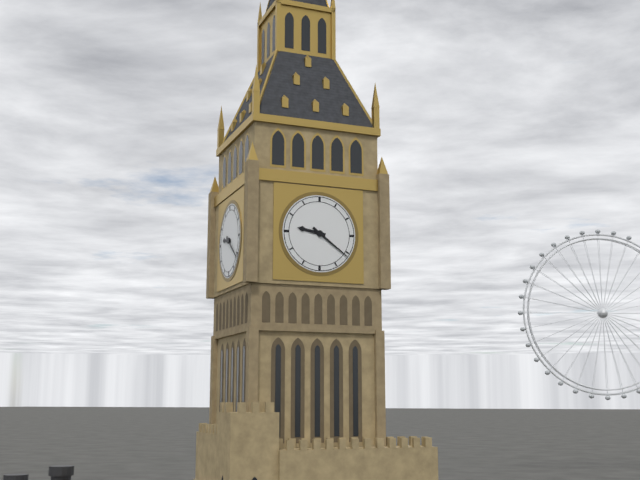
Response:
h=9 m=21
